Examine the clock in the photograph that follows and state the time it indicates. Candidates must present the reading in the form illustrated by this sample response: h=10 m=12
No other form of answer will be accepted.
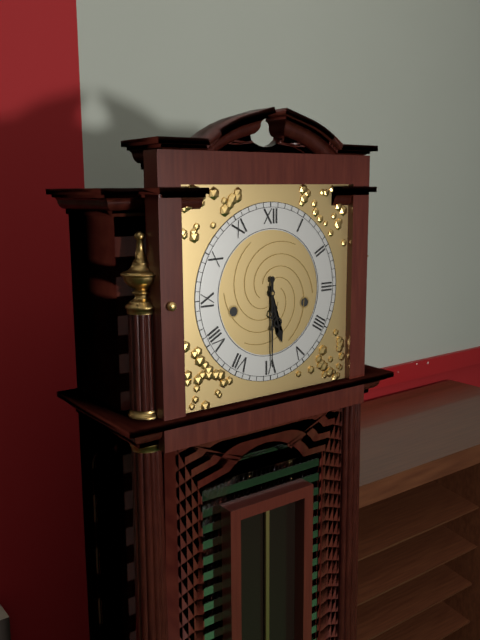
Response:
h=5 m=30
